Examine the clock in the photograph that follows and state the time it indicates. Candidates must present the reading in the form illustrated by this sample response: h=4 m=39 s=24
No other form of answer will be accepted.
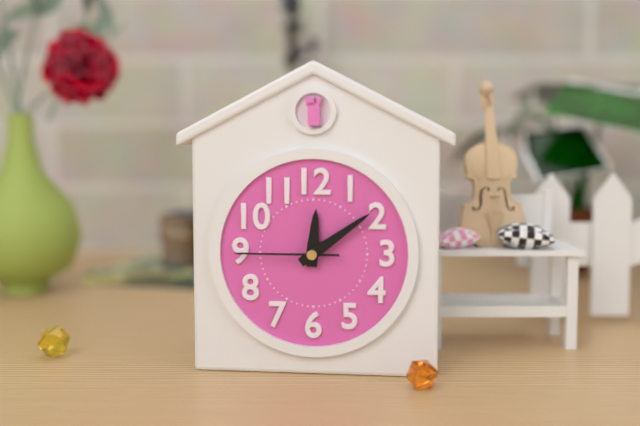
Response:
h=12 m=9 s=45
